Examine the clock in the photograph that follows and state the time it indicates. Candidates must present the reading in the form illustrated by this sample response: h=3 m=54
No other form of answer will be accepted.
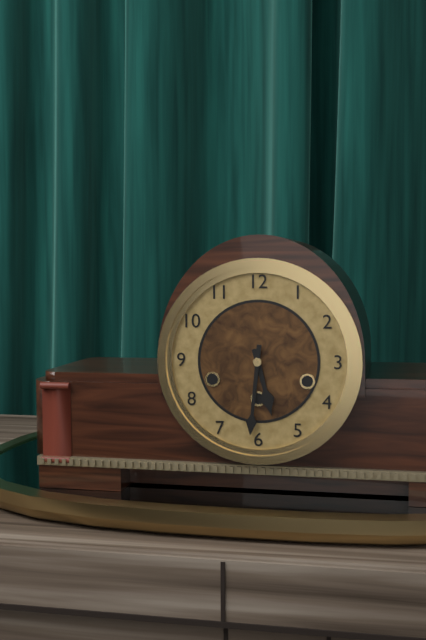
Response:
h=5 m=31
